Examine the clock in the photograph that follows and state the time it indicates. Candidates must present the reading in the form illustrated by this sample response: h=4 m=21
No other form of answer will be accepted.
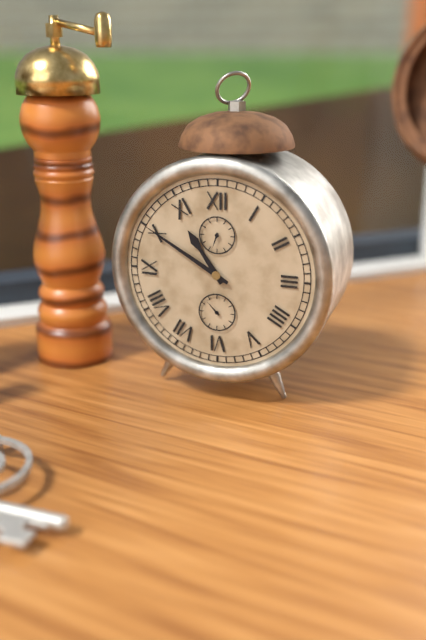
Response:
h=10 m=50
